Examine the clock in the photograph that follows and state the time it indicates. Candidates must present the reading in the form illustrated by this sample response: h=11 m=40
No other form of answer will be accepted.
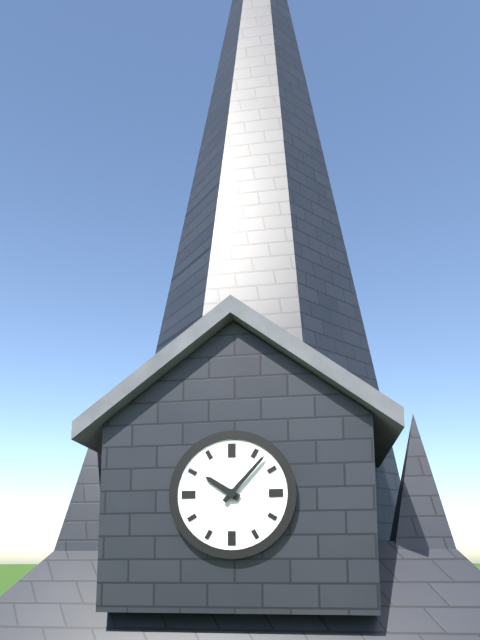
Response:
h=10 m=7
